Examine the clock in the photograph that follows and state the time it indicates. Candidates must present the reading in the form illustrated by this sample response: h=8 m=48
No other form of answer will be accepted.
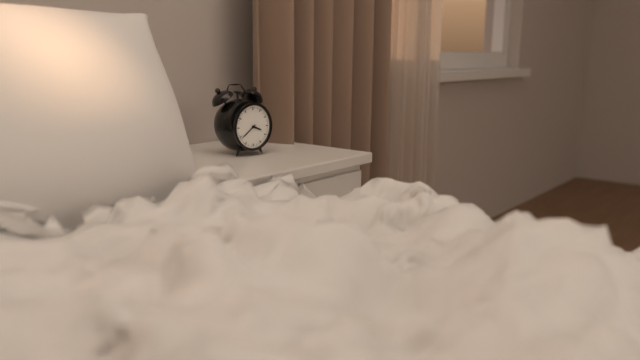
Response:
h=3 m=39
